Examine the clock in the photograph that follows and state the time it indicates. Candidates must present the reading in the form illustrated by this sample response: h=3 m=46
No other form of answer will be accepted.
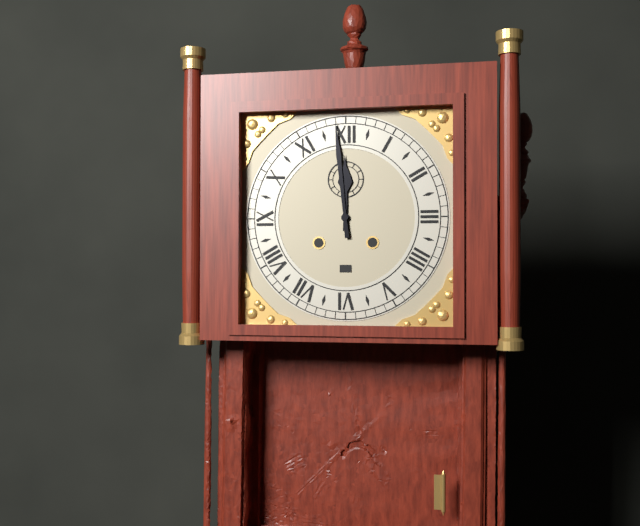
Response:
h=11 m=59
